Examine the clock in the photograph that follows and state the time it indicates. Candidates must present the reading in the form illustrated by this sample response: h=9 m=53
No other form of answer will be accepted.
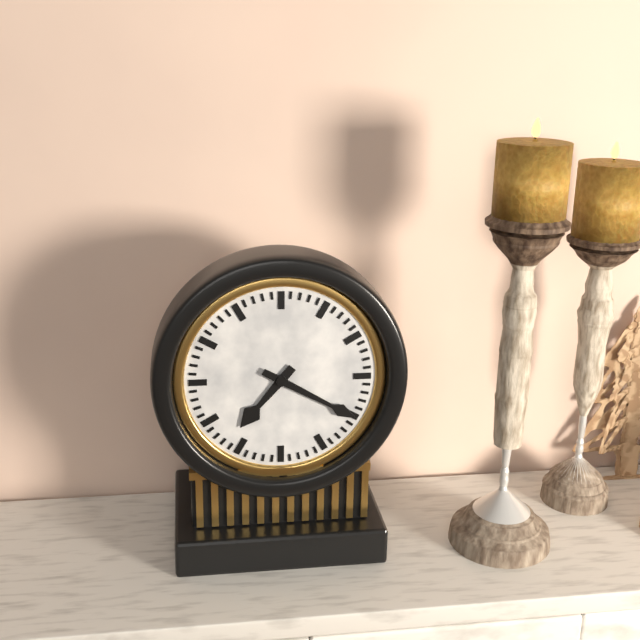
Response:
h=7 m=20
